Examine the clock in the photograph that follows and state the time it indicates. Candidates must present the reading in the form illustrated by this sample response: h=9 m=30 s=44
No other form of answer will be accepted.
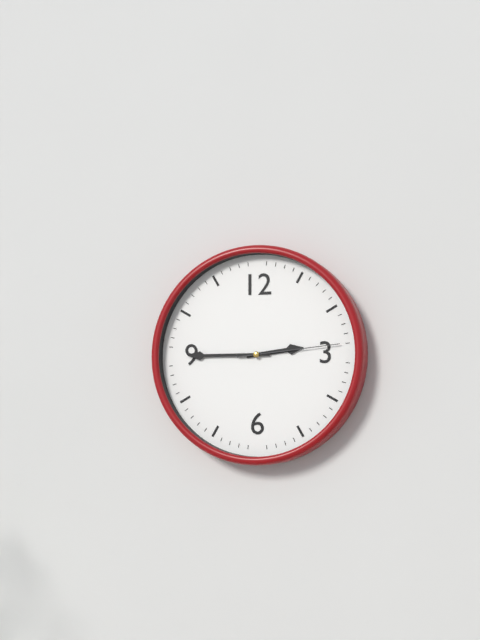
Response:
h=2 m=45 s=14
